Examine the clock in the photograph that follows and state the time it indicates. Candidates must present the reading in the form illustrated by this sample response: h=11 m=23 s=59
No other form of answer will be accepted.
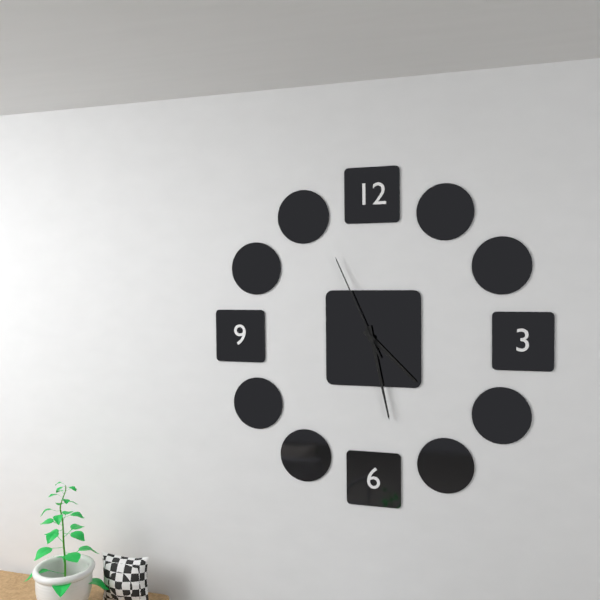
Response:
h=4 m=28 s=56
